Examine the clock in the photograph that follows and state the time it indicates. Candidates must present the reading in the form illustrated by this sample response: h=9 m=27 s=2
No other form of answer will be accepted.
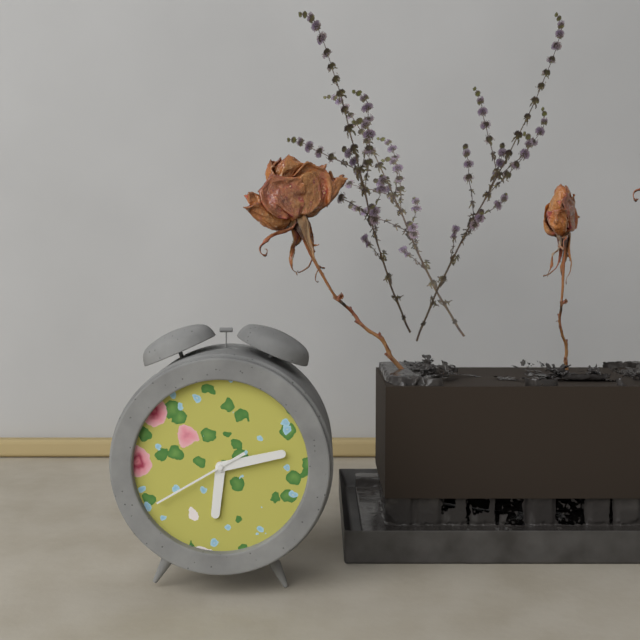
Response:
h=6 m=13 s=40
